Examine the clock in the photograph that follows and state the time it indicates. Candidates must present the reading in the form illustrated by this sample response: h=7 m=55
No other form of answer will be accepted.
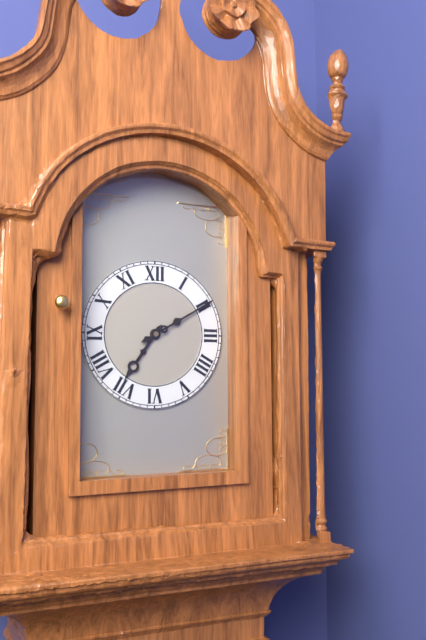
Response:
h=7 m=10
